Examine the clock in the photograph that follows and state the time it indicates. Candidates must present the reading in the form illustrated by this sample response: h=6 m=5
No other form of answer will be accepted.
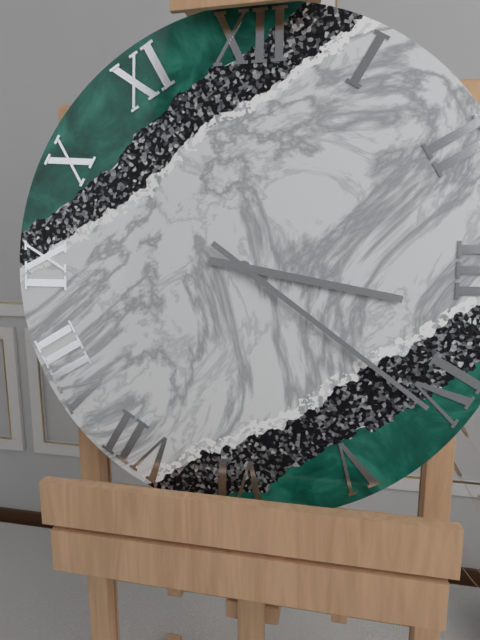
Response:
h=3 m=21
